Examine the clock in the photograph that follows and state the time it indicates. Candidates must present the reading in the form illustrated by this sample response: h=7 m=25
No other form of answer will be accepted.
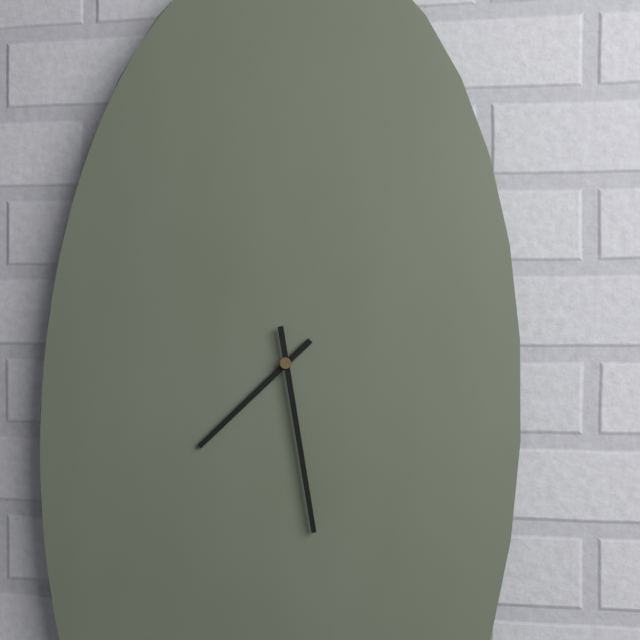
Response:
h=7 m=28
